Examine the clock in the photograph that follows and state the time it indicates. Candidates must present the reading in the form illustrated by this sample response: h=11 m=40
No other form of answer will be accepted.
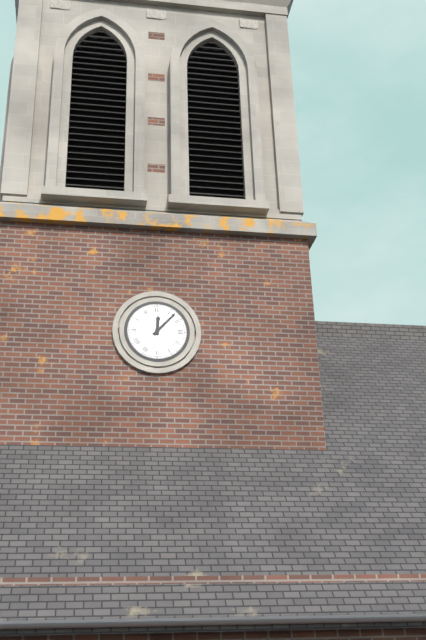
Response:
h=12 m=7
